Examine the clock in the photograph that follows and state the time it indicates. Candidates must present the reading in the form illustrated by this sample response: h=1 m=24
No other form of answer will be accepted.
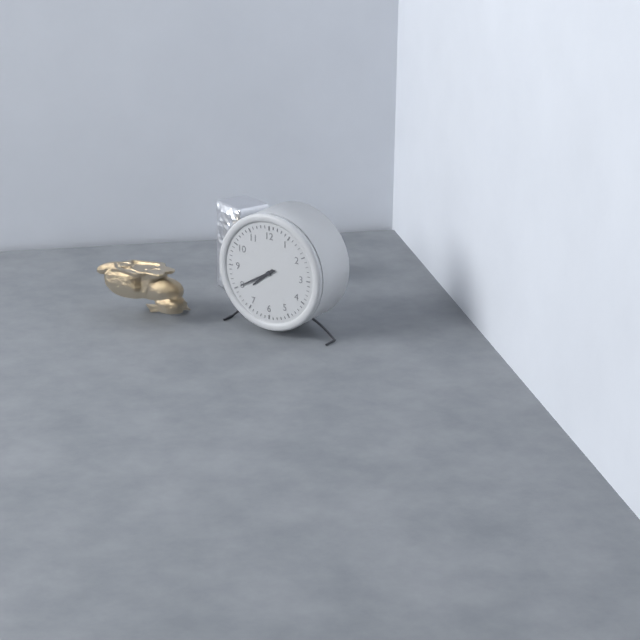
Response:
h=7 m=40
